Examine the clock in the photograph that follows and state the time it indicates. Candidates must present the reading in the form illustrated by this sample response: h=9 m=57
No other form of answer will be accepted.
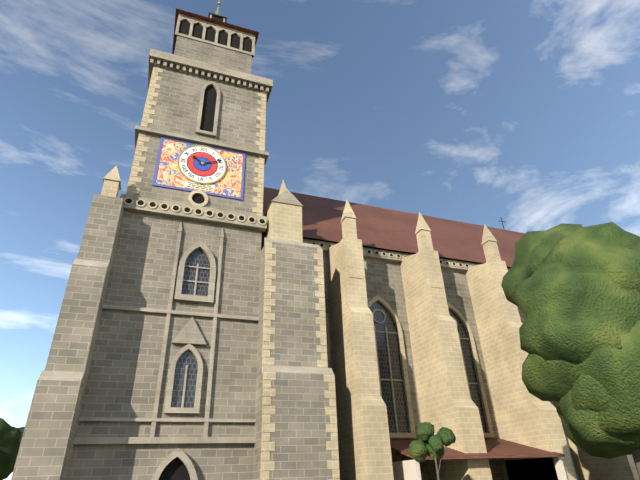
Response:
h=10 m=11
